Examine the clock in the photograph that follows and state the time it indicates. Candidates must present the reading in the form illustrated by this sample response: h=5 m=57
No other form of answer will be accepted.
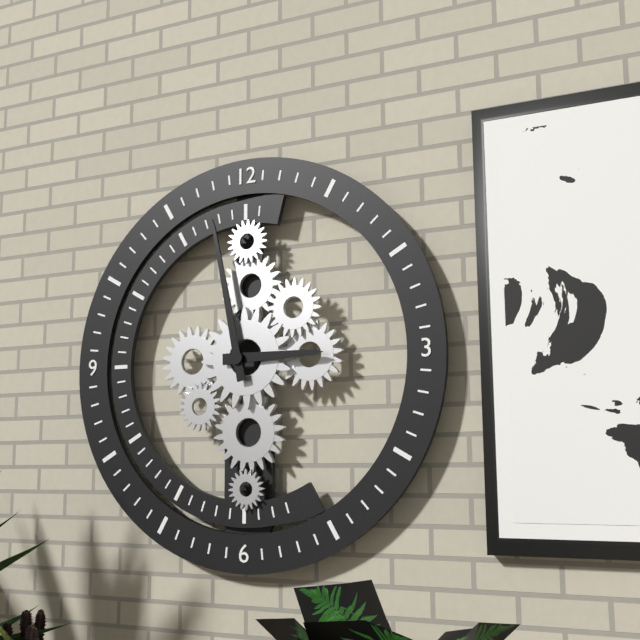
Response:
h=2 m=58
